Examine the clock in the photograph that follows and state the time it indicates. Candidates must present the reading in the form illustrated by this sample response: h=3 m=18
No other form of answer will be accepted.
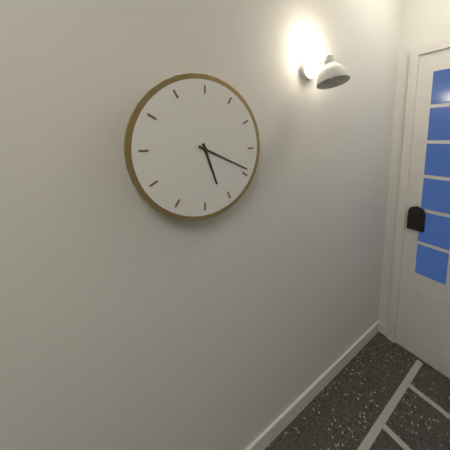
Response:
h=5 m=19
